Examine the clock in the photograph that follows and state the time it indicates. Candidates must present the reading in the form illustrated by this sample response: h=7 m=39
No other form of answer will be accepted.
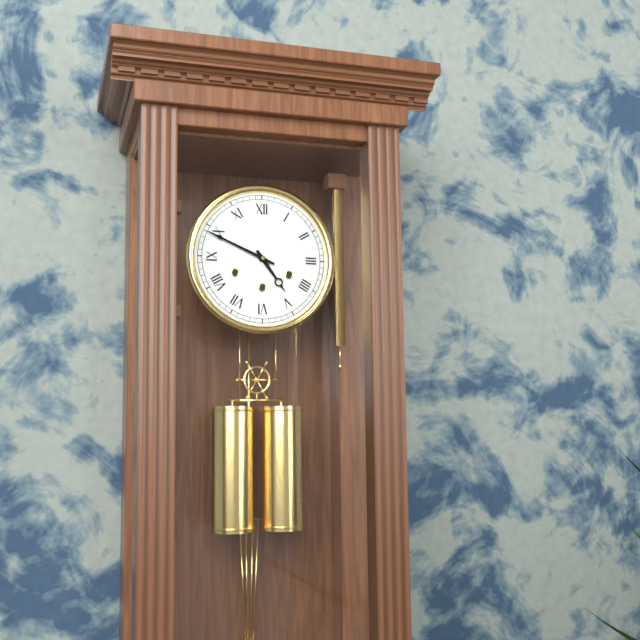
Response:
h=4 m=49
